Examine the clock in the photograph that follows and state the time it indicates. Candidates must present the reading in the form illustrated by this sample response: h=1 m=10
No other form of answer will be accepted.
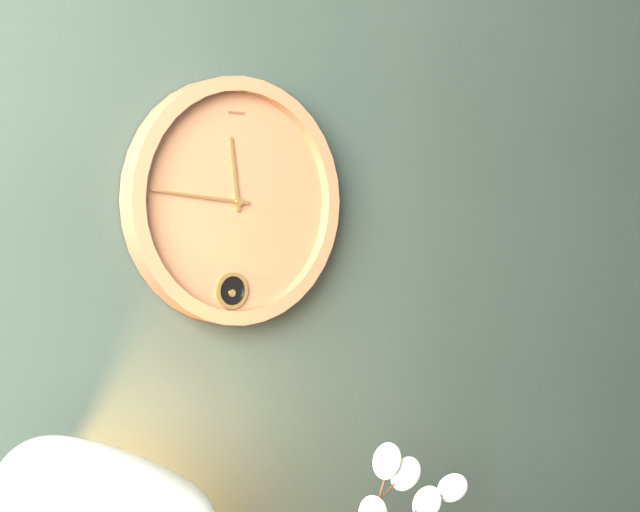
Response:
h=11 m=46
